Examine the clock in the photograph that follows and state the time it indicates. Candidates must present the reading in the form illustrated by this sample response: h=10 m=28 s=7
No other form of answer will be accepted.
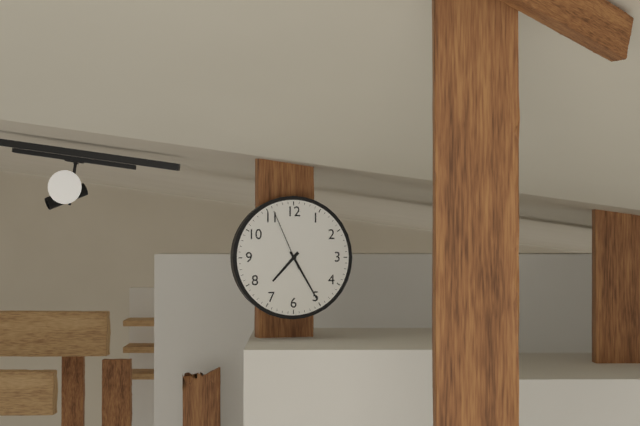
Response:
h=7 m=25 s=56
